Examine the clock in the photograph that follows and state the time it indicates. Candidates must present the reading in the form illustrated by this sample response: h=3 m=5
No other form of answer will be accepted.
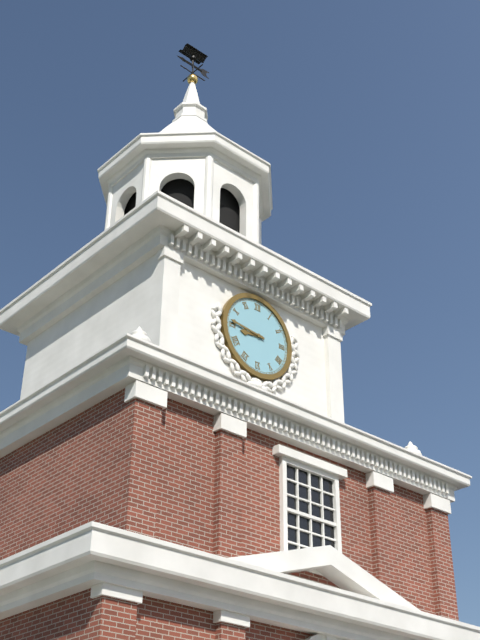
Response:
h=8 m=46
